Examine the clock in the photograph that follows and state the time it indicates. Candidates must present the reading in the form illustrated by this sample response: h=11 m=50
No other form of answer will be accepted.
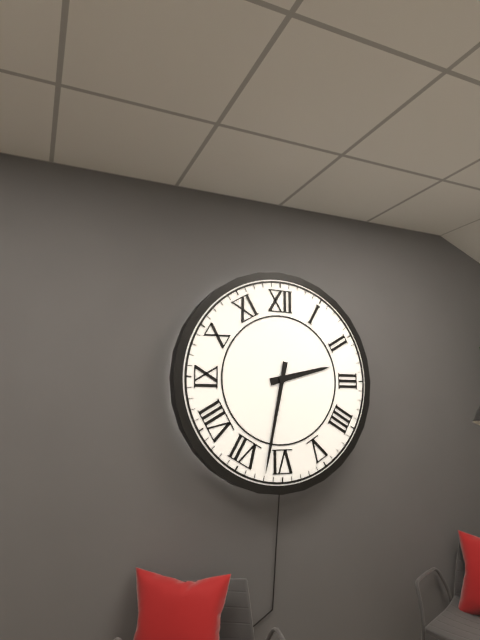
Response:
h=2 m=32
